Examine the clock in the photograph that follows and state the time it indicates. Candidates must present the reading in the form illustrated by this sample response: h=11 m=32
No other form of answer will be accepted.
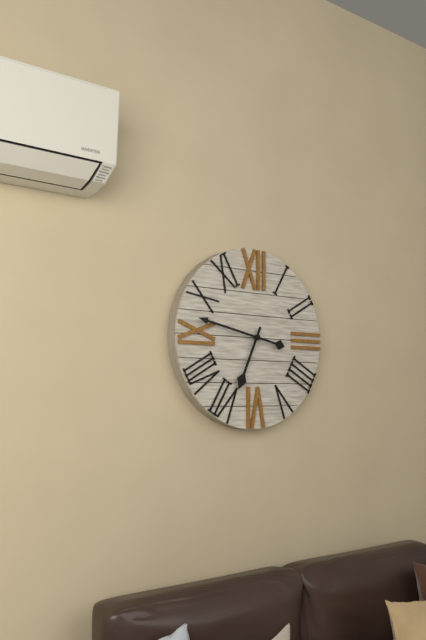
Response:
h=6 m=47
